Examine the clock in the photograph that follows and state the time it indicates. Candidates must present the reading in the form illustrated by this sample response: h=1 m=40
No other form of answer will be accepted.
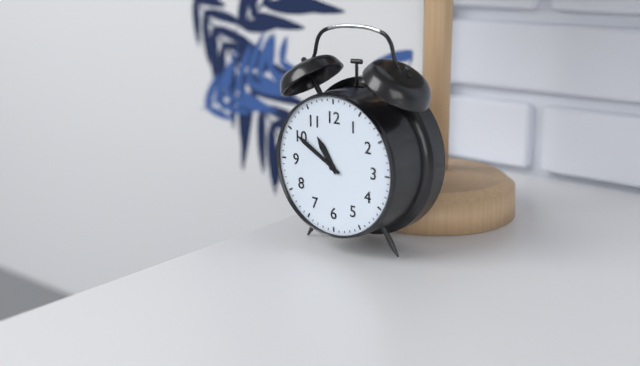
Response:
h=10 m=50
